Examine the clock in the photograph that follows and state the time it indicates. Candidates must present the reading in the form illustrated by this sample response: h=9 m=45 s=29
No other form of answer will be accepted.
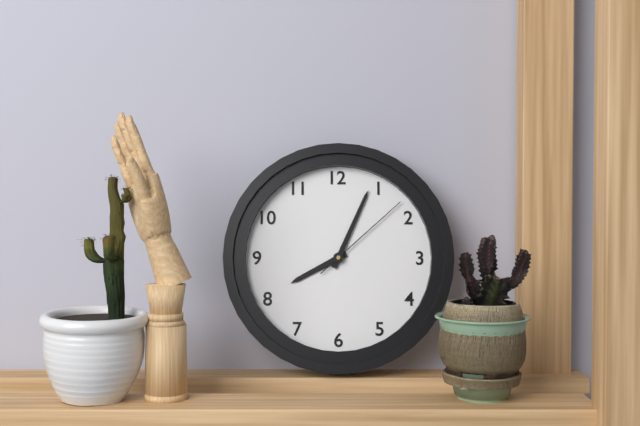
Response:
h=8 m=4 s=8
